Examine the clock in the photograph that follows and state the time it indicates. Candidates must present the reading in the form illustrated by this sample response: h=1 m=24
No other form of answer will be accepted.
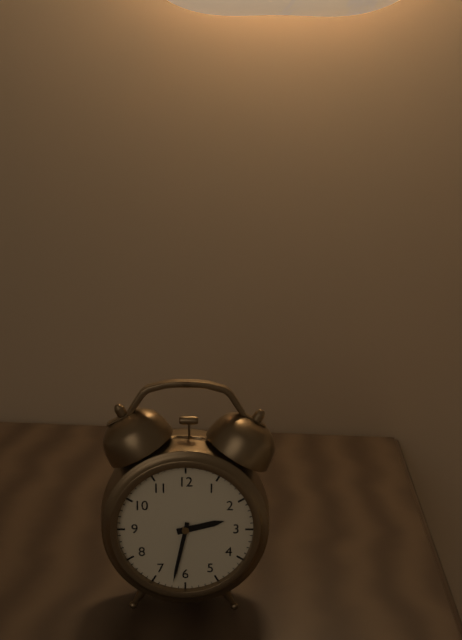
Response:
h=2 m=32
